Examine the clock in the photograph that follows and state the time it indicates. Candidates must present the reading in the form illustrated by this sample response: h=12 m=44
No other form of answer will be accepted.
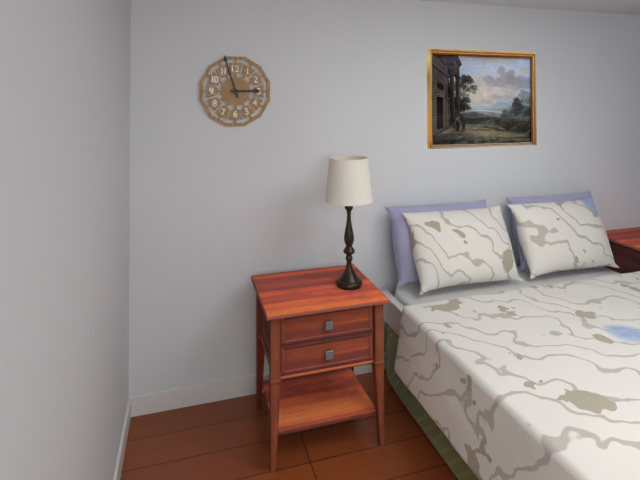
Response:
h=2 m=57
